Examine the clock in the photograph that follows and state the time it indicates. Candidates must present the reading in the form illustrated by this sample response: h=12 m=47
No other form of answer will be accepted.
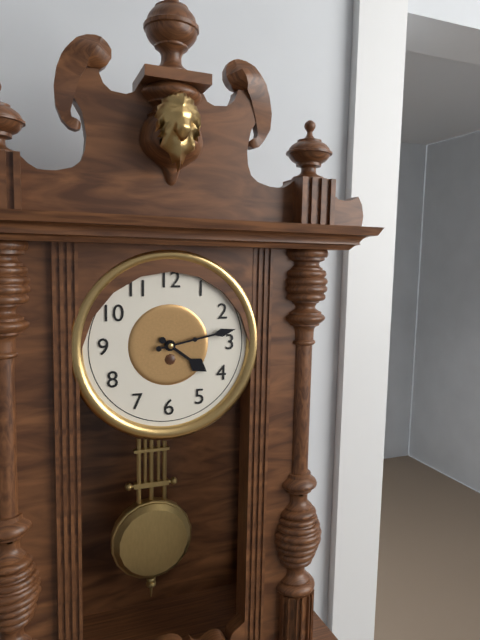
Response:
h=4 m=13
